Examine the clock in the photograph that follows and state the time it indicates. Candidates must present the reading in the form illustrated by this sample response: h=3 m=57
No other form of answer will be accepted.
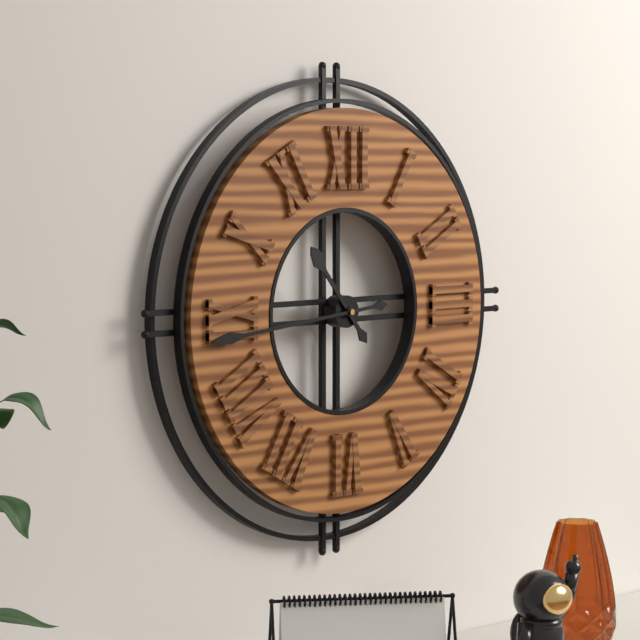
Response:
h=10 m=44
